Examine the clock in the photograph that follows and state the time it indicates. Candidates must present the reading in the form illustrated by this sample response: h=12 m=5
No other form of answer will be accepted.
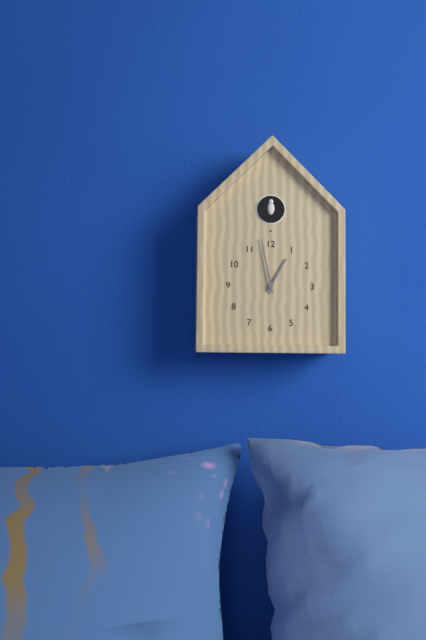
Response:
h=12 m=58
